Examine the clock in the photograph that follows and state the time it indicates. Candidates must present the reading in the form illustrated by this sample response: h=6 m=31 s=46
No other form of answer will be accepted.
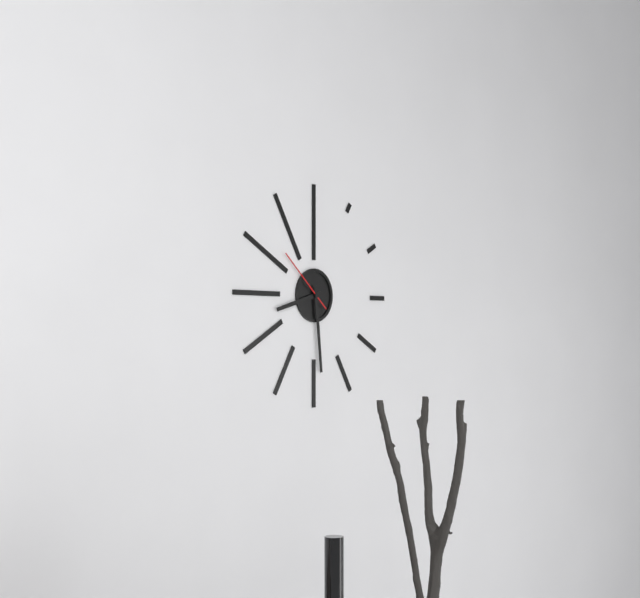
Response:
h=8 m=29 s=52
